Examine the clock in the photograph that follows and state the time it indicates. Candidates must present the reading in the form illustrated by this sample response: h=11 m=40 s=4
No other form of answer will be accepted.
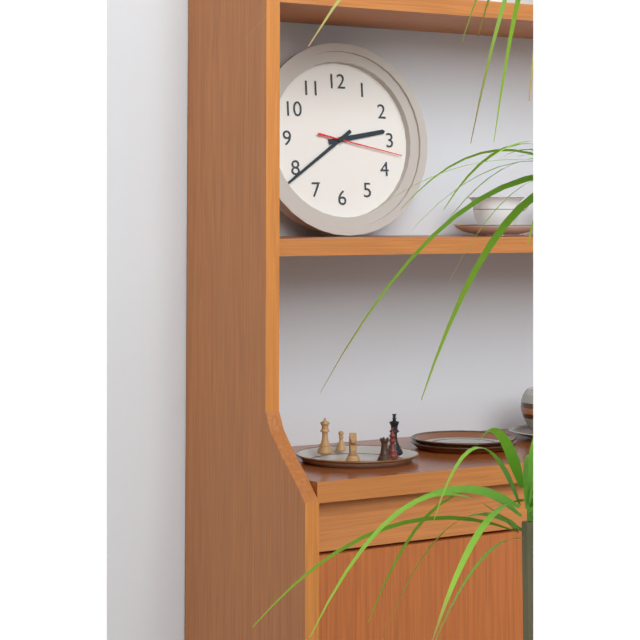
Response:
h=2 m=39 s=17
